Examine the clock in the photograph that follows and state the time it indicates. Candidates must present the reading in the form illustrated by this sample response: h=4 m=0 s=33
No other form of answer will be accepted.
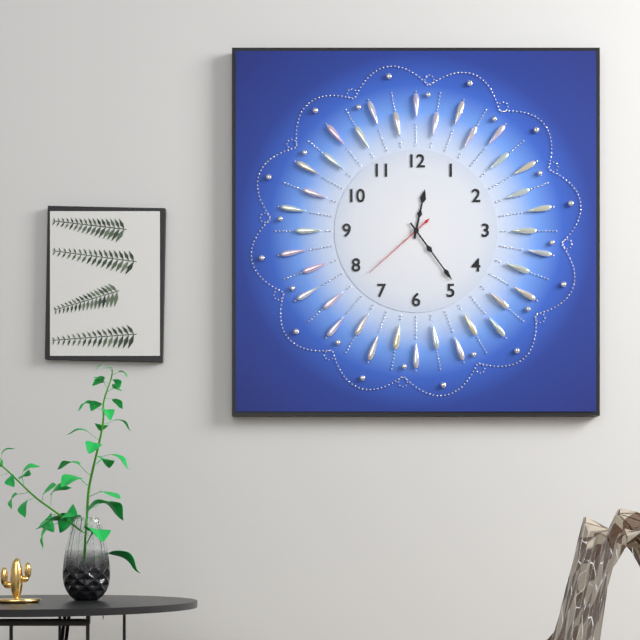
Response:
h=12 m=24 s=38
